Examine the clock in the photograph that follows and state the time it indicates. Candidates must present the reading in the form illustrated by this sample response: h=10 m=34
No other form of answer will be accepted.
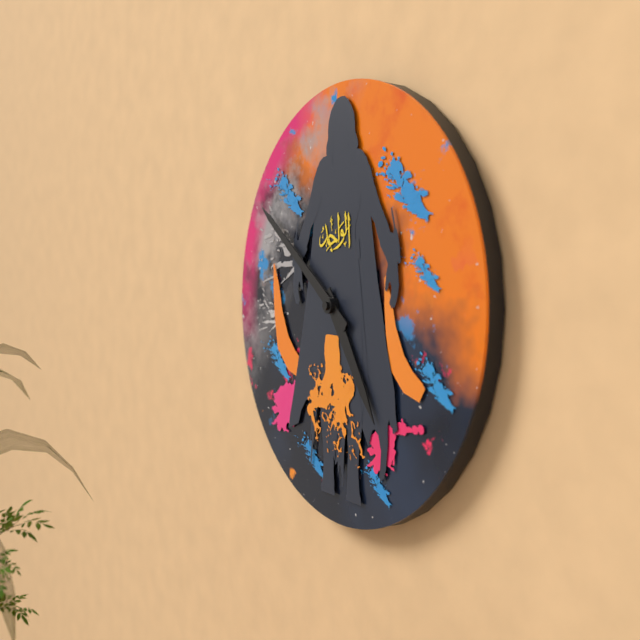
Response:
h=4 m=51
